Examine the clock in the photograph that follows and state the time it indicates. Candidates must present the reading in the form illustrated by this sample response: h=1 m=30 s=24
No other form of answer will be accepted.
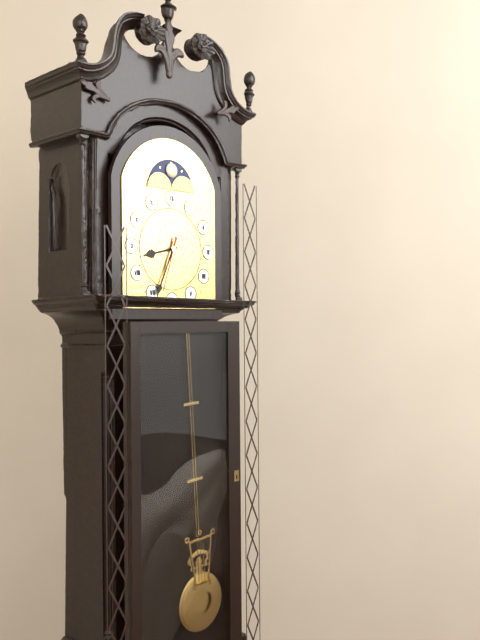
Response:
h=8 m=34 s=33
